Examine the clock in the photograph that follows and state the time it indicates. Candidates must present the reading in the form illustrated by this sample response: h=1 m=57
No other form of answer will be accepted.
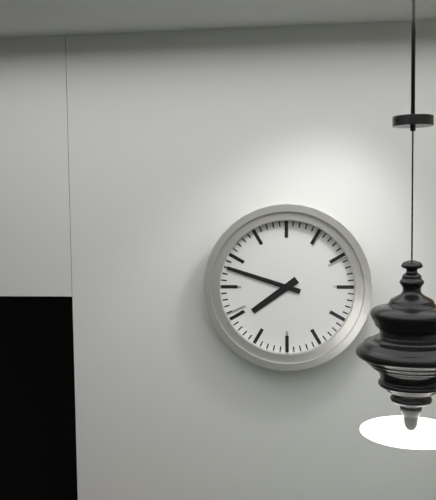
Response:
h=7 m=48
